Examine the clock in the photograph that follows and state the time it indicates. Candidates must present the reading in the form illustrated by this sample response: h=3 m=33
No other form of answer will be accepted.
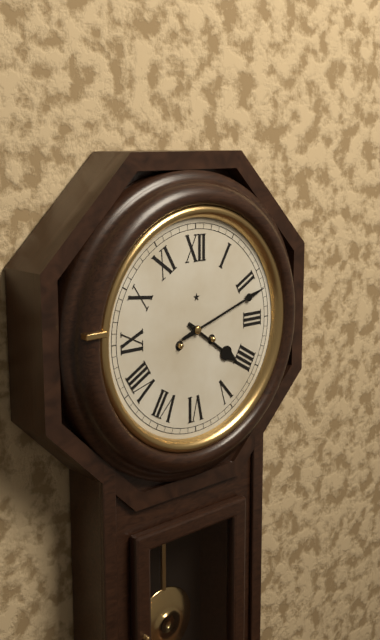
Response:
h=4 m=12
